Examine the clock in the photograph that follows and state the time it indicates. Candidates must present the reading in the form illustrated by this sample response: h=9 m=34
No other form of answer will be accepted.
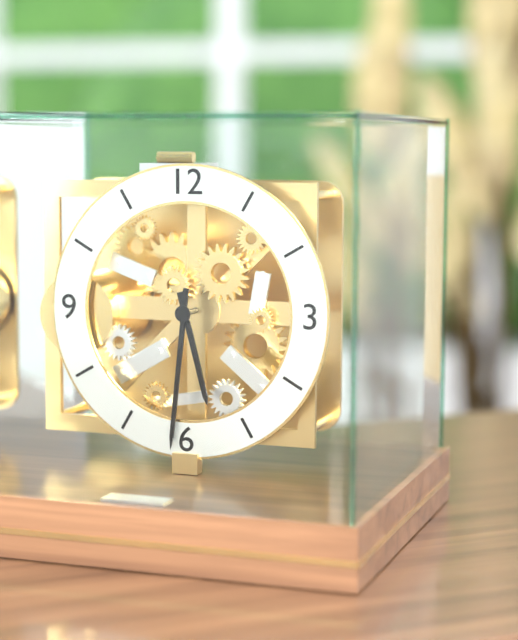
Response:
h=5 m=31
